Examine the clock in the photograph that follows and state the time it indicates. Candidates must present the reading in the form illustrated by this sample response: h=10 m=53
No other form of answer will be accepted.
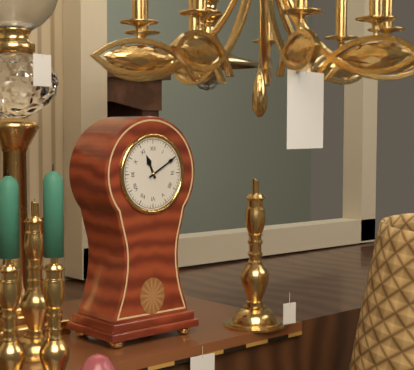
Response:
h=11 m=10
